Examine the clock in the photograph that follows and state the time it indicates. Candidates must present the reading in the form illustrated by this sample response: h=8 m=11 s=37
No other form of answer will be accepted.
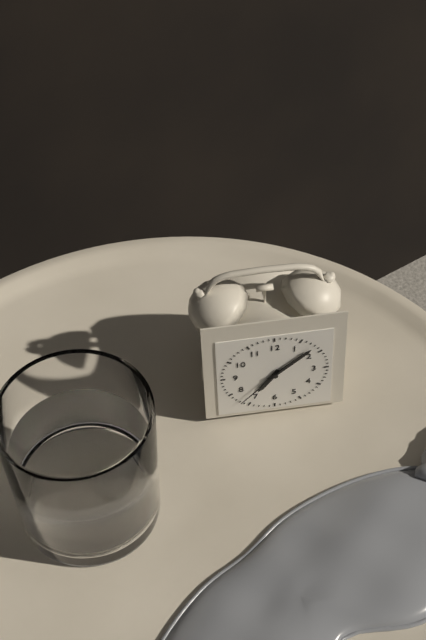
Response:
h=7 m=8 s=37
